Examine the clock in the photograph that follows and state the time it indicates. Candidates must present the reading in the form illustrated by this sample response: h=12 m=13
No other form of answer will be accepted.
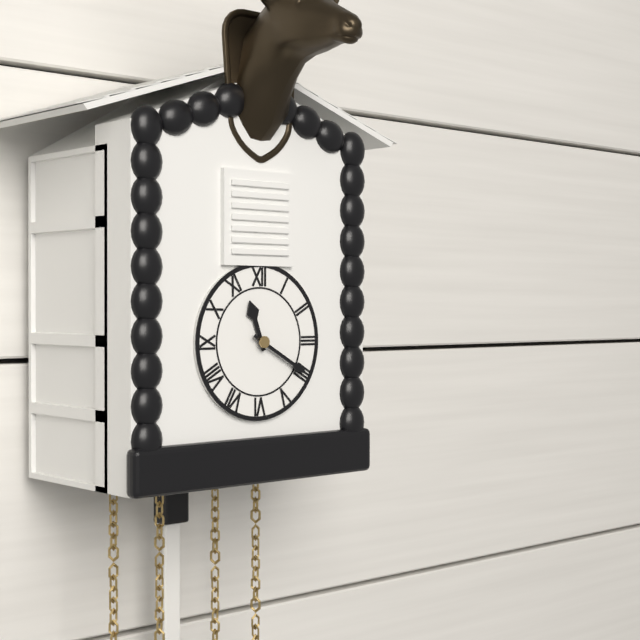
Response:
h=11 m=20
